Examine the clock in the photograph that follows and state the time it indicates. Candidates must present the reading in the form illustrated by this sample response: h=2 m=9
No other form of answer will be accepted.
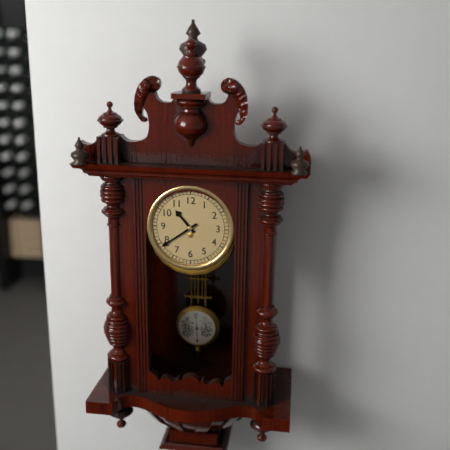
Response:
h=10 m=39
